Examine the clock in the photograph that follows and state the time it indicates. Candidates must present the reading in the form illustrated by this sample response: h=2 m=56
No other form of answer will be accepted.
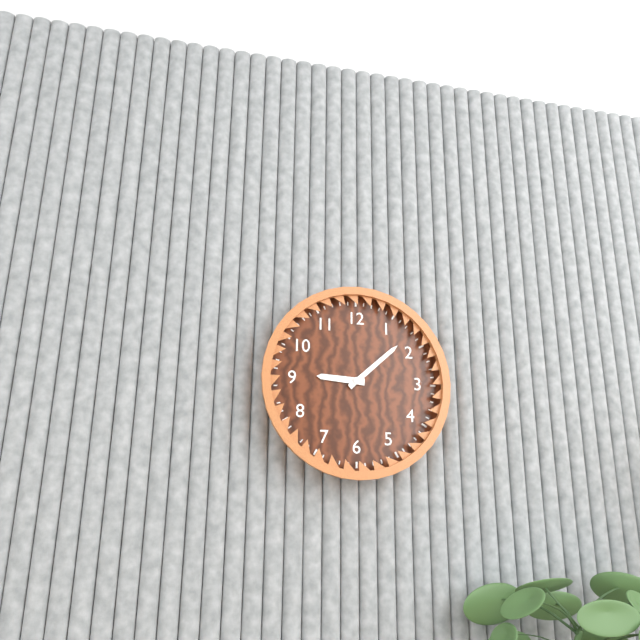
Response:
h=9 m=8
